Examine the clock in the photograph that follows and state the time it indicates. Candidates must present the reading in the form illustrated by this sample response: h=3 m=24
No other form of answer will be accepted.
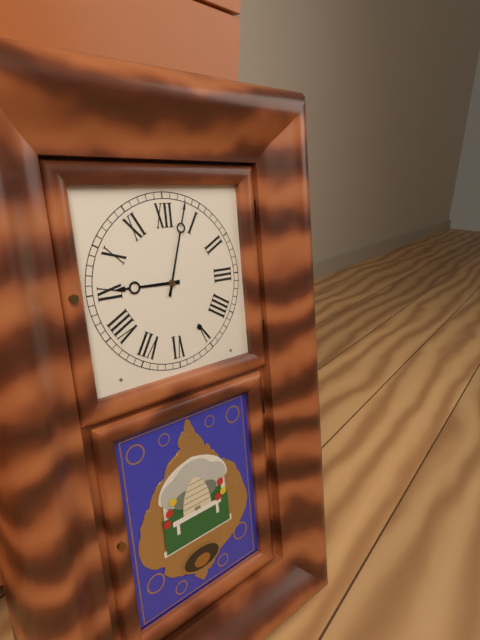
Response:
h=9 m=3
